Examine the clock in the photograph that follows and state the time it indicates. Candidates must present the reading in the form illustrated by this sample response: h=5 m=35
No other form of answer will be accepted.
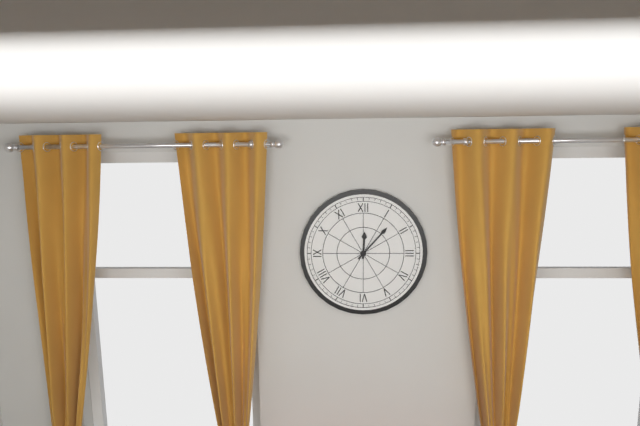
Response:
h=12 m=7
